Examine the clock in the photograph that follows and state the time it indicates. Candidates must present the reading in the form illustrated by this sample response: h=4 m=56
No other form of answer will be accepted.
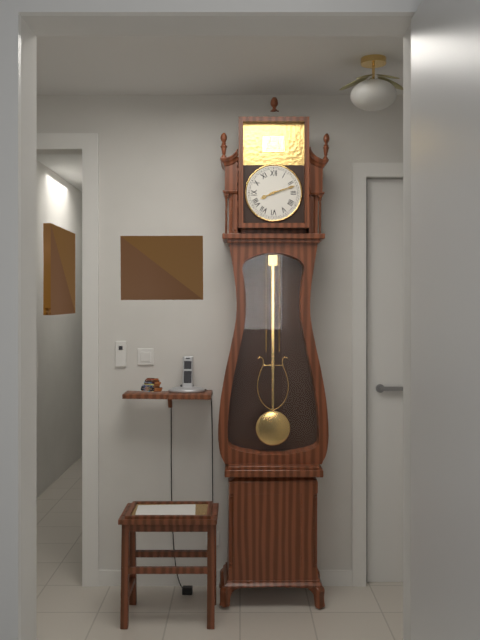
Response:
h=8 m=12
